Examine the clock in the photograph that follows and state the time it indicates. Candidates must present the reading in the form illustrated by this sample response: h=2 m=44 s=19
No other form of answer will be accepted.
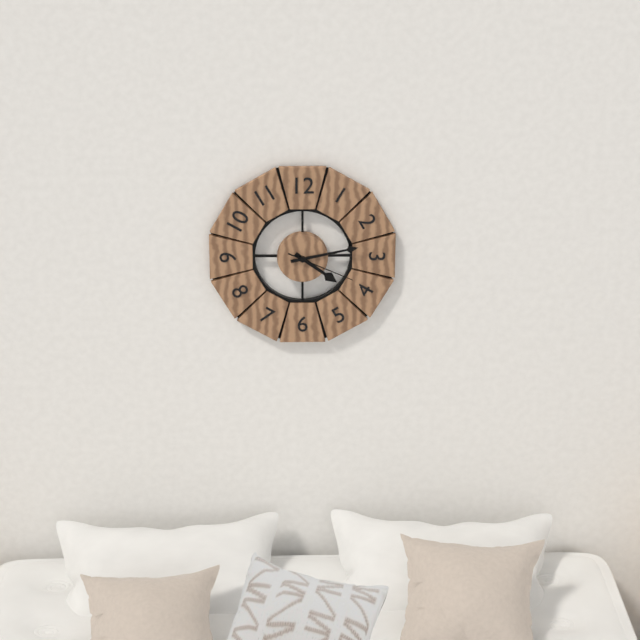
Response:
h=4 m=13 s=19
